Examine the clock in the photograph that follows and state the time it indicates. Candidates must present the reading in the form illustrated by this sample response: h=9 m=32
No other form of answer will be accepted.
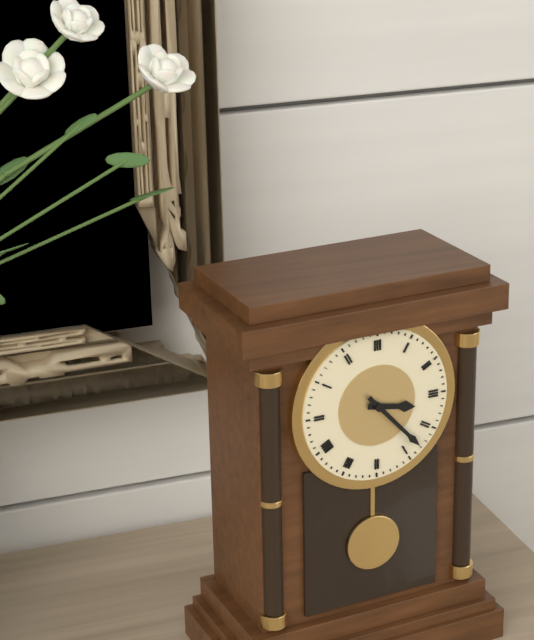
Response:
h=3 m=23
